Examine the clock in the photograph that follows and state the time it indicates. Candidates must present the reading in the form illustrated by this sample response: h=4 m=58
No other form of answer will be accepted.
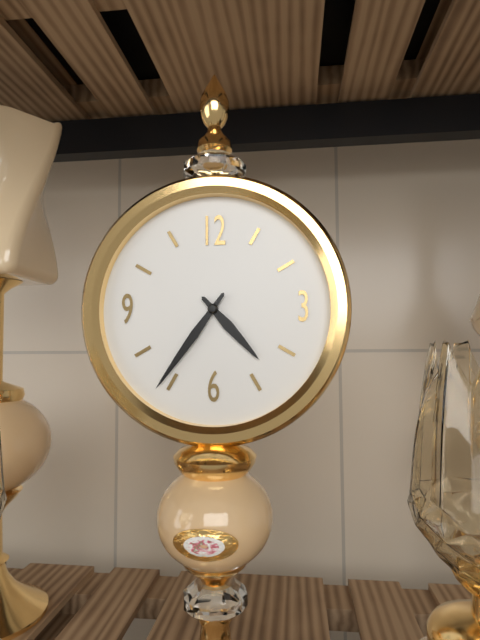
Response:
h=4 m=36
